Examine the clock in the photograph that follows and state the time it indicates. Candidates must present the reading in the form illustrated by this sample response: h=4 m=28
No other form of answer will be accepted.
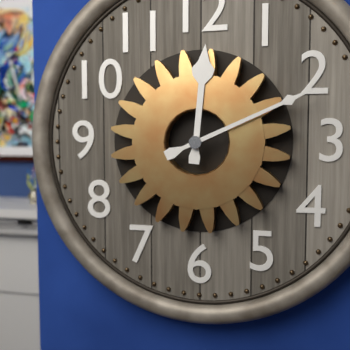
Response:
h=12 m=11
